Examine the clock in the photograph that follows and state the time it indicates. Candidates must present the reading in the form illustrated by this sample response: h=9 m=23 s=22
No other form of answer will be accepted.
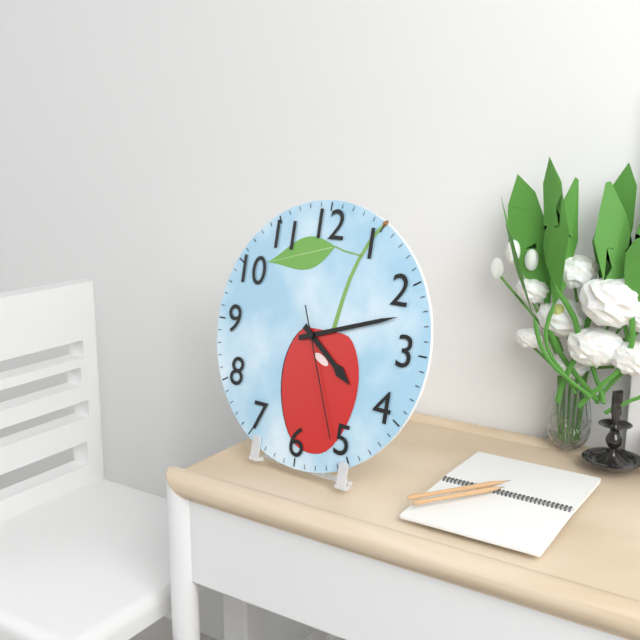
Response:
h=4 m=12 s=26
